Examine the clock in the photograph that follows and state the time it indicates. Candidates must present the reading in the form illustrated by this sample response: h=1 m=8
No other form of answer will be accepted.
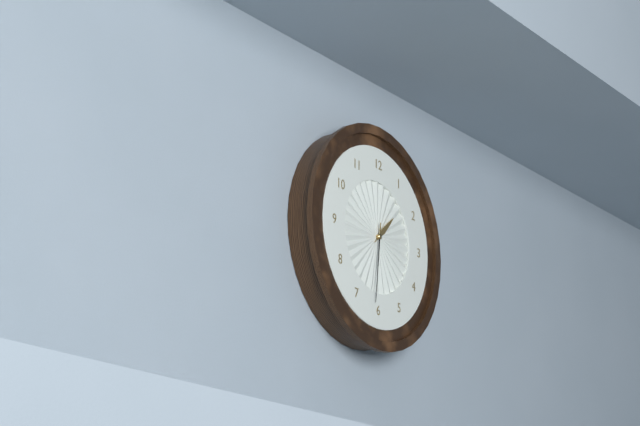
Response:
h=1 m=31
